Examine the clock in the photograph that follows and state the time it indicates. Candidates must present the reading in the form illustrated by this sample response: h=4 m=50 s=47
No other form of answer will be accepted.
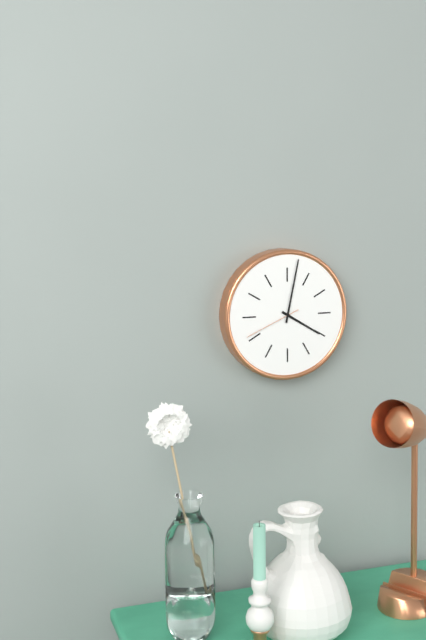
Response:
h=4 m=2 s=41
